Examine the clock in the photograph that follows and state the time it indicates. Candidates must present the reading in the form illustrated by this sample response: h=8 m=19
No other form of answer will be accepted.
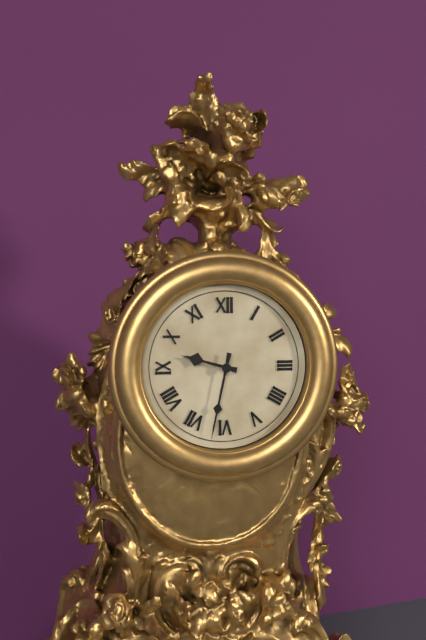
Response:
h=9 m=32
